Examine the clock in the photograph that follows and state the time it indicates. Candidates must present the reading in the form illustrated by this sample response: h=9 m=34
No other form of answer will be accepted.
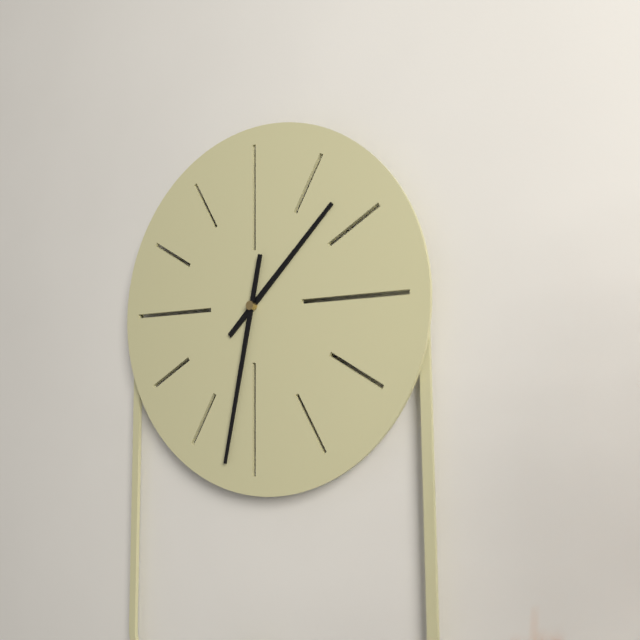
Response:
h=1 m=32
